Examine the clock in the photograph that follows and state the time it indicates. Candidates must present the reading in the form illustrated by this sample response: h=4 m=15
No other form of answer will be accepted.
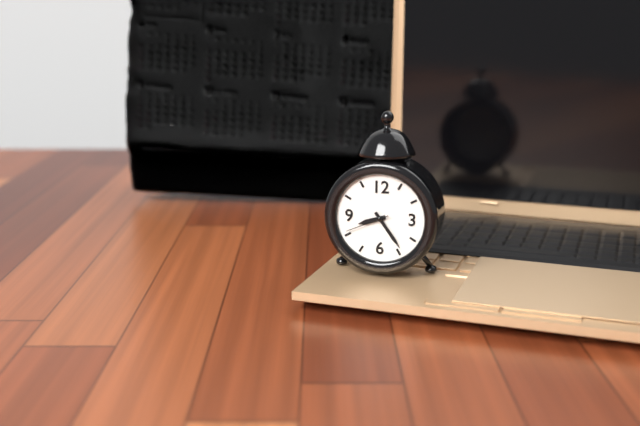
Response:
h=8 m=24
